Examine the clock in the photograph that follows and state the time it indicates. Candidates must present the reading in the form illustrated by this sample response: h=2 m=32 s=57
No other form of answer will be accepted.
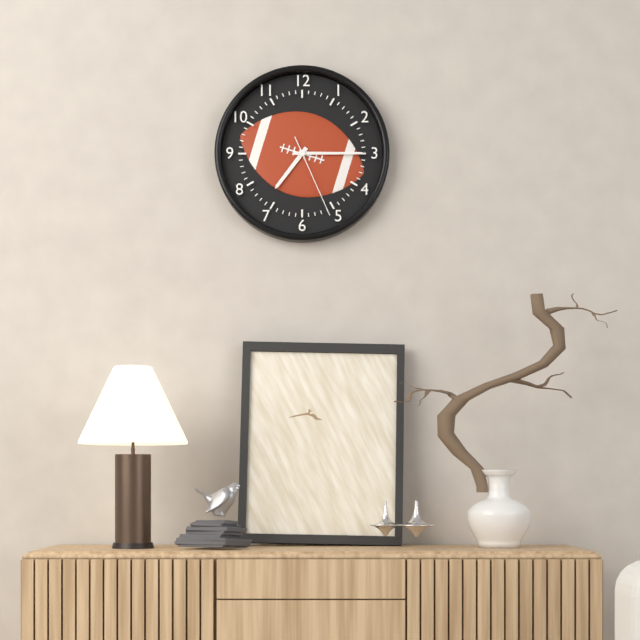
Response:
h=7 m=15 s=26
